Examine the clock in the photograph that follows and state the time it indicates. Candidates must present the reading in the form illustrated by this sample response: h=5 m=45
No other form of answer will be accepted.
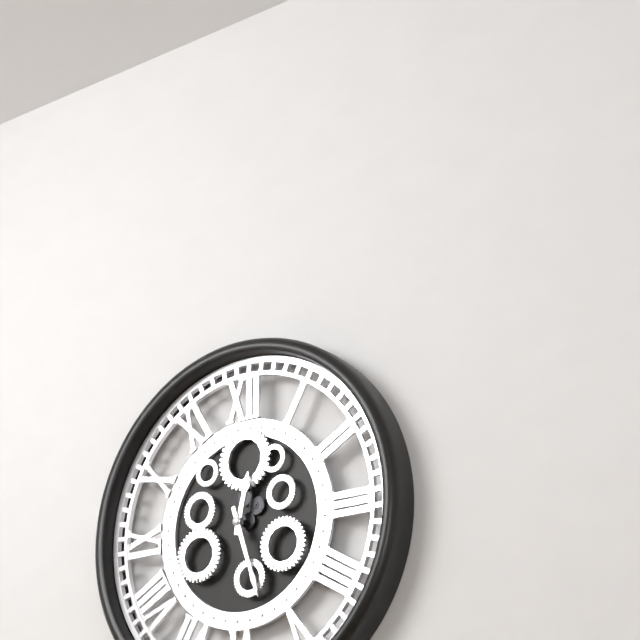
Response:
h=12 m=27
